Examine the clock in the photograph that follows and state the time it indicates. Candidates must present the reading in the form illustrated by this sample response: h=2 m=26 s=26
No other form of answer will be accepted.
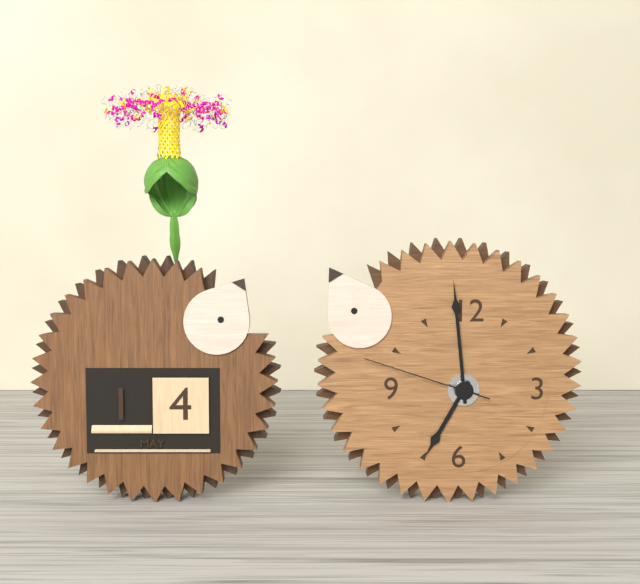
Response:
h=6 m=59 s=48
